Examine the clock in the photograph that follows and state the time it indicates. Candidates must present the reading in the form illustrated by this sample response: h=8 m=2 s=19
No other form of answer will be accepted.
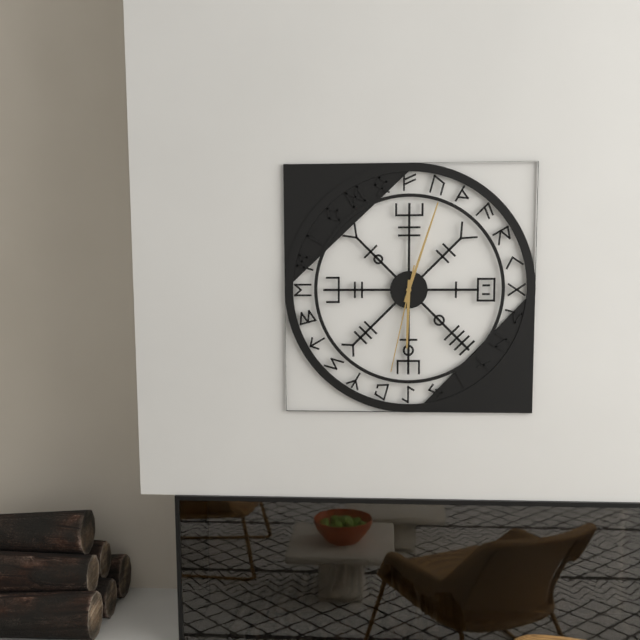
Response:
h=6 m=3 s=32
